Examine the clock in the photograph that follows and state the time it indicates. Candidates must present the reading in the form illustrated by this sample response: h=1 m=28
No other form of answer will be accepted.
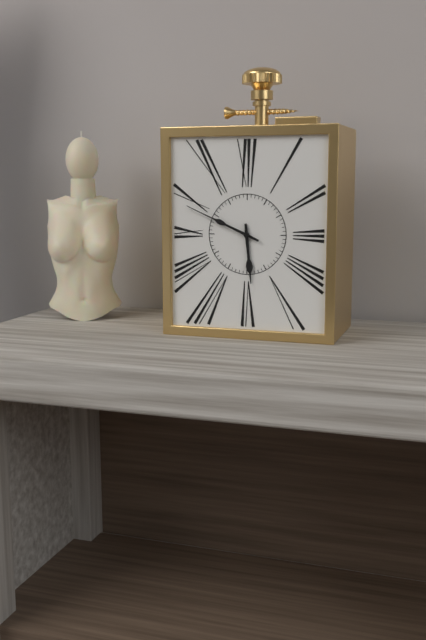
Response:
h=5 m=49
